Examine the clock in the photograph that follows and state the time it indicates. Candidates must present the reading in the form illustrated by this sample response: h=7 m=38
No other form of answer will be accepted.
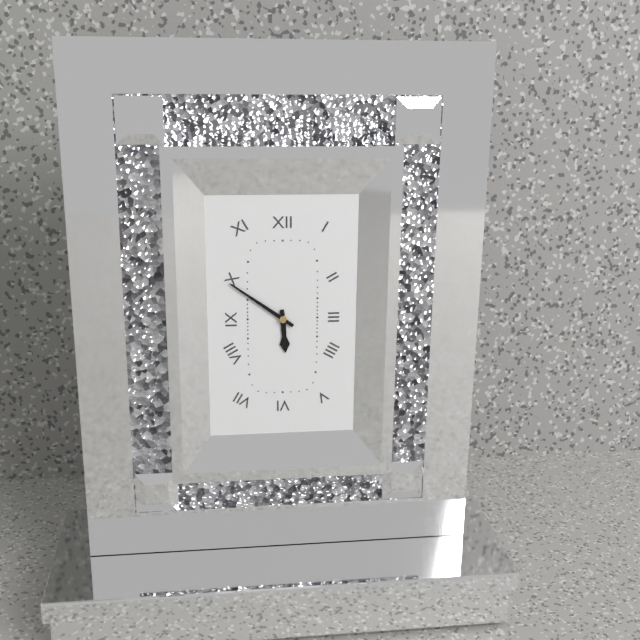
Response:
h=5 m=51
